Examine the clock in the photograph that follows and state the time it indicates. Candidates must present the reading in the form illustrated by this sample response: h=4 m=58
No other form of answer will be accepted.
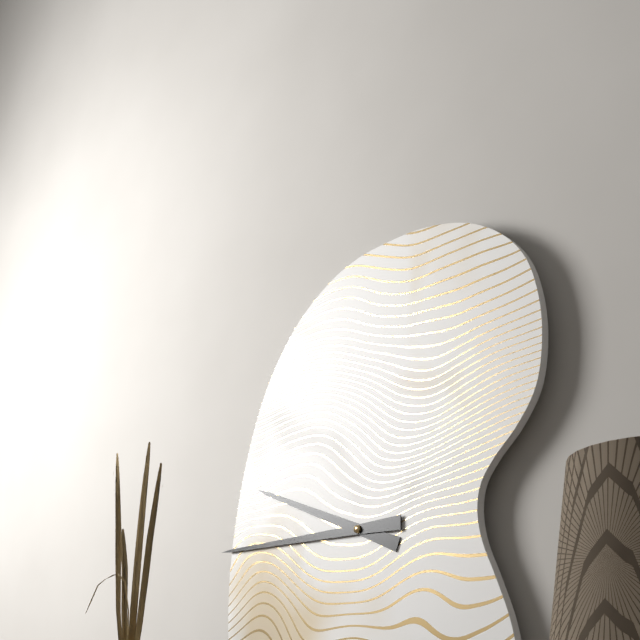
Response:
h=9 m=45
